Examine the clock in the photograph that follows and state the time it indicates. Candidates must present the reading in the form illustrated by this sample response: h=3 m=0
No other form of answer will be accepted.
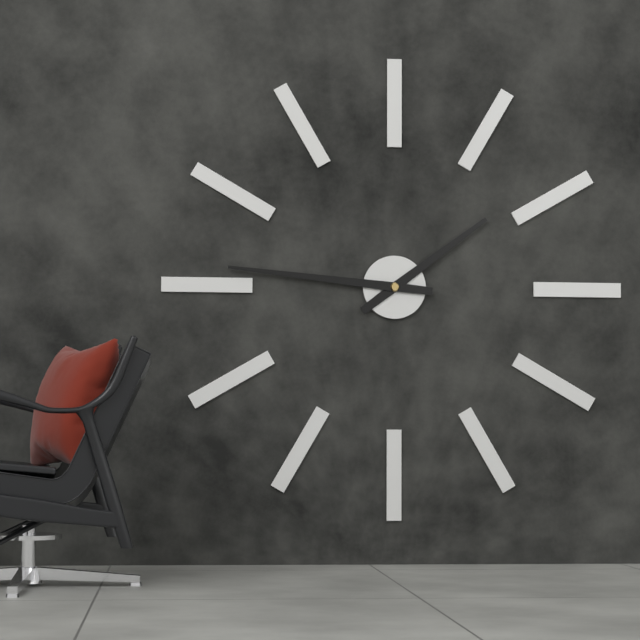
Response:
h=1 m=46
